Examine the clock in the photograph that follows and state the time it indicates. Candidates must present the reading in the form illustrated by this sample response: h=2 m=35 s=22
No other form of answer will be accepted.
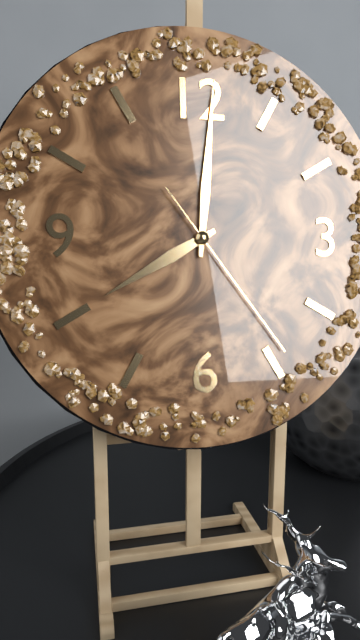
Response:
h=8 m=1 s=24
